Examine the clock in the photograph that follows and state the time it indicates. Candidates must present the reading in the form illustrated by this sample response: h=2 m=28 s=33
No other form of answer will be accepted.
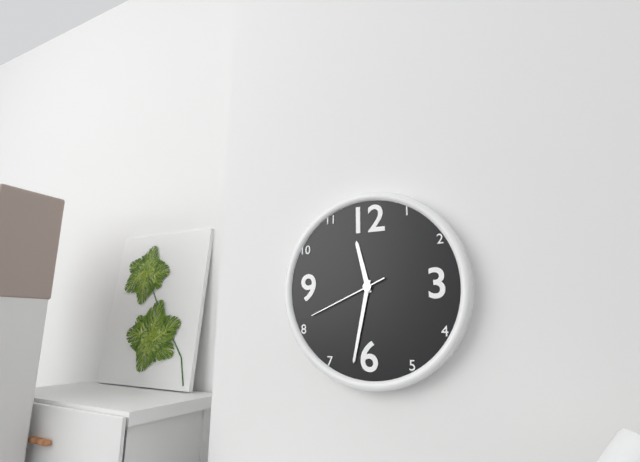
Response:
h=11 m=32 s=41
